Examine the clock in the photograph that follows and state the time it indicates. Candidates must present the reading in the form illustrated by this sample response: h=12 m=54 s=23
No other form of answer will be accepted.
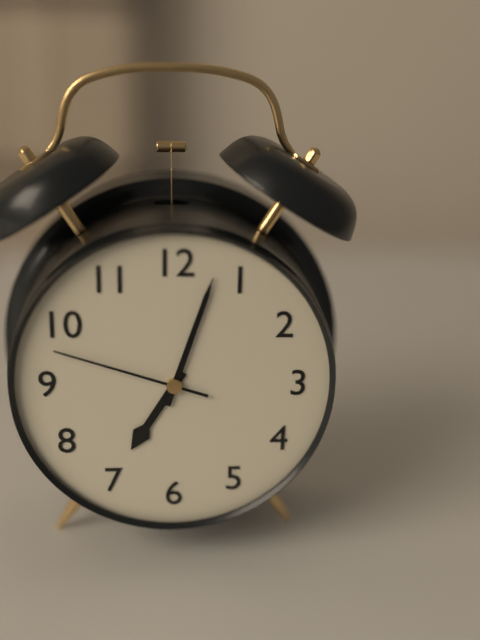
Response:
h=7 m=3 s=48
